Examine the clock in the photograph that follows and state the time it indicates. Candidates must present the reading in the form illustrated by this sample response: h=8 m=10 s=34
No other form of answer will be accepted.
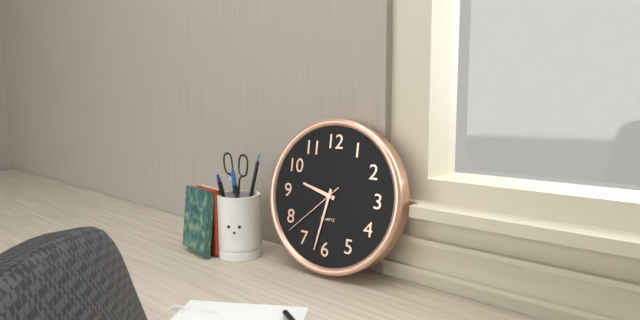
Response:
h=9 m=32 s=38
